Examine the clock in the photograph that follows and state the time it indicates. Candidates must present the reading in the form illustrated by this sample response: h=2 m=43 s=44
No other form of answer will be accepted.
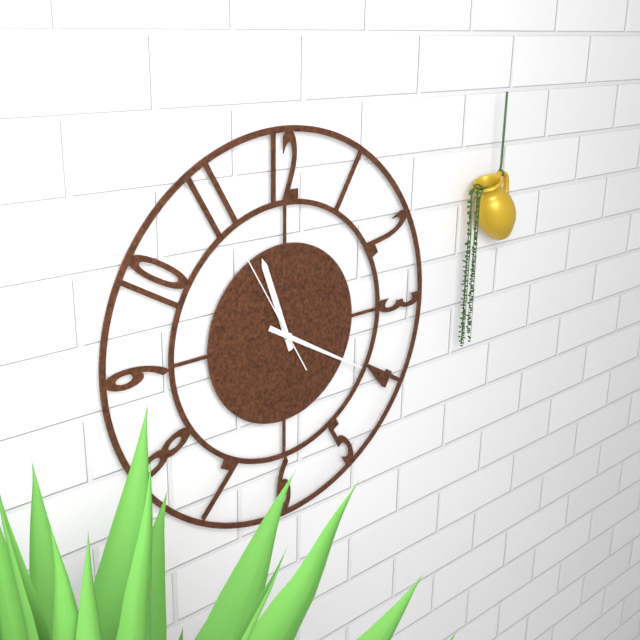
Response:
h=11 m=20 s=55
